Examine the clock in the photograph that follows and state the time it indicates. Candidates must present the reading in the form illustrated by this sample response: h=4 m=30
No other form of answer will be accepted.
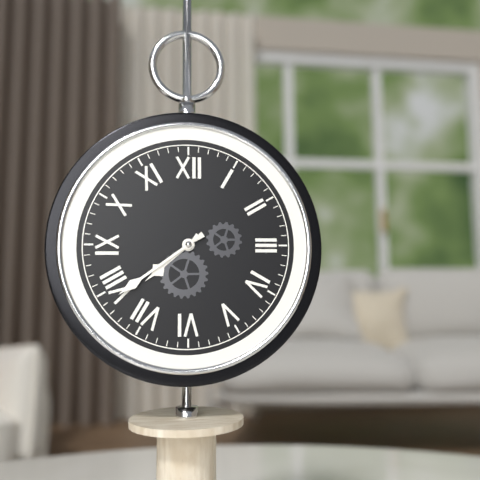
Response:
h=7 m=39
